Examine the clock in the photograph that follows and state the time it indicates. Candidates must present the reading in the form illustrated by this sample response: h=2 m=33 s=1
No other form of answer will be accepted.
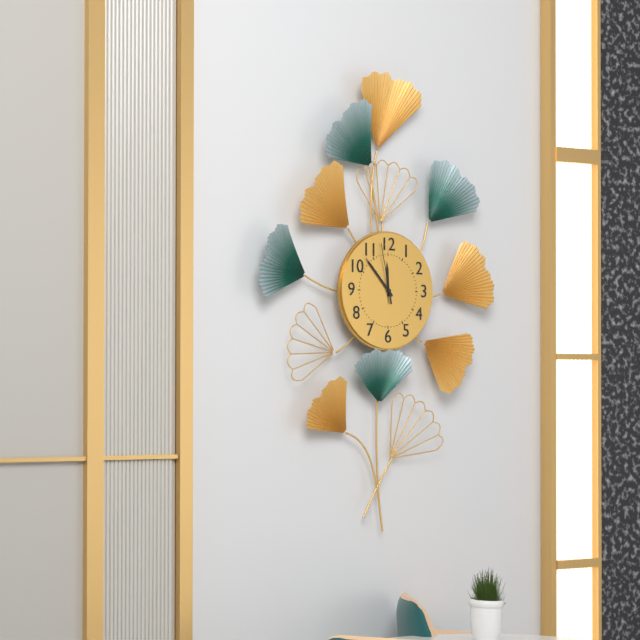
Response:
h=11 m=53 s=58
